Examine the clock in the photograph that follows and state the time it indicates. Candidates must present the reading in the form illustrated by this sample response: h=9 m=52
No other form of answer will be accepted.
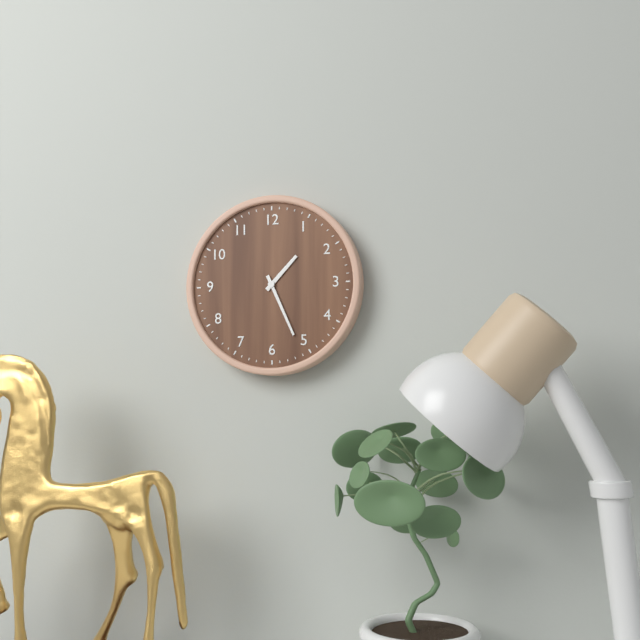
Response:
h=1 m=26
